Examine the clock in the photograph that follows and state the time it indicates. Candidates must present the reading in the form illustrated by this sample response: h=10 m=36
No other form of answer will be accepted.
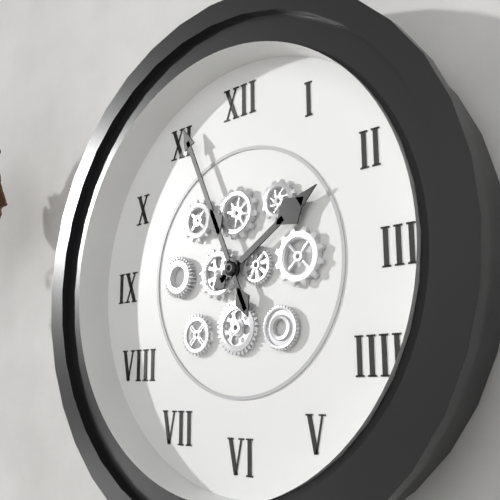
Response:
h=1 m=56
